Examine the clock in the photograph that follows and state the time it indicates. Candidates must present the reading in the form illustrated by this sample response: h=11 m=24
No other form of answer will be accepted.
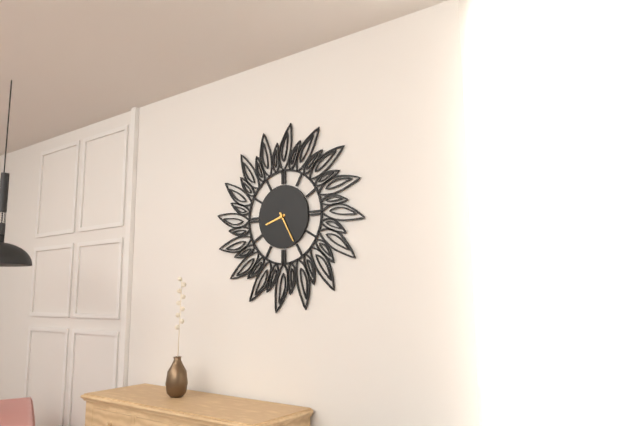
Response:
h=8 m=25
